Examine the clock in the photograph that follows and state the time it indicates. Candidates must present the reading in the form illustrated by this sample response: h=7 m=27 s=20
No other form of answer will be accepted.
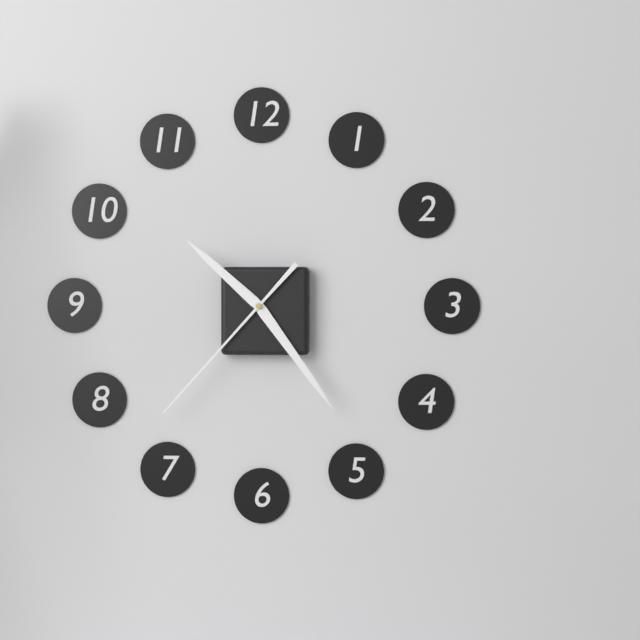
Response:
h=10 m=24 s=37
